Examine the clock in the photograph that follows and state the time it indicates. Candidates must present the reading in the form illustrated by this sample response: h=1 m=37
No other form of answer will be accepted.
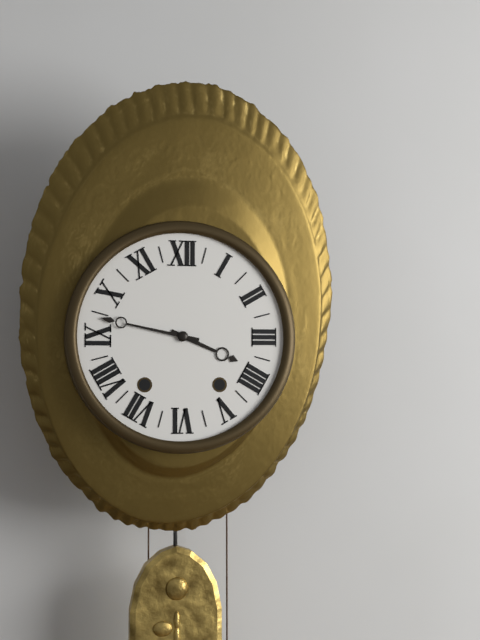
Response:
h=3 m=47
